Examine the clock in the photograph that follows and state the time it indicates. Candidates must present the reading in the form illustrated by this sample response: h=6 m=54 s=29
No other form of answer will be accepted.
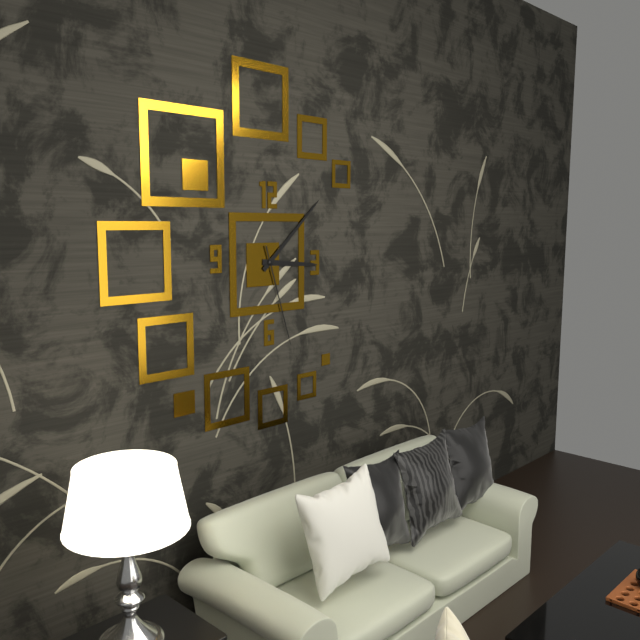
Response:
h=3 m=8 s=27
